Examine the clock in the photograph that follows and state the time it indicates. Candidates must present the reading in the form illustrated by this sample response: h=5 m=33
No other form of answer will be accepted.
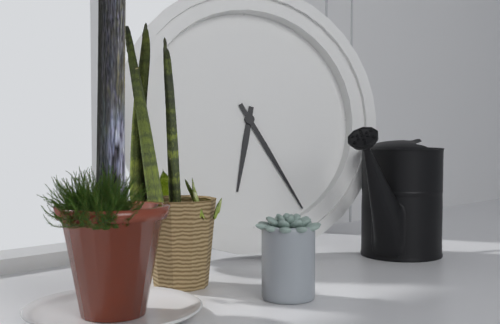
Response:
h=6 m=25
